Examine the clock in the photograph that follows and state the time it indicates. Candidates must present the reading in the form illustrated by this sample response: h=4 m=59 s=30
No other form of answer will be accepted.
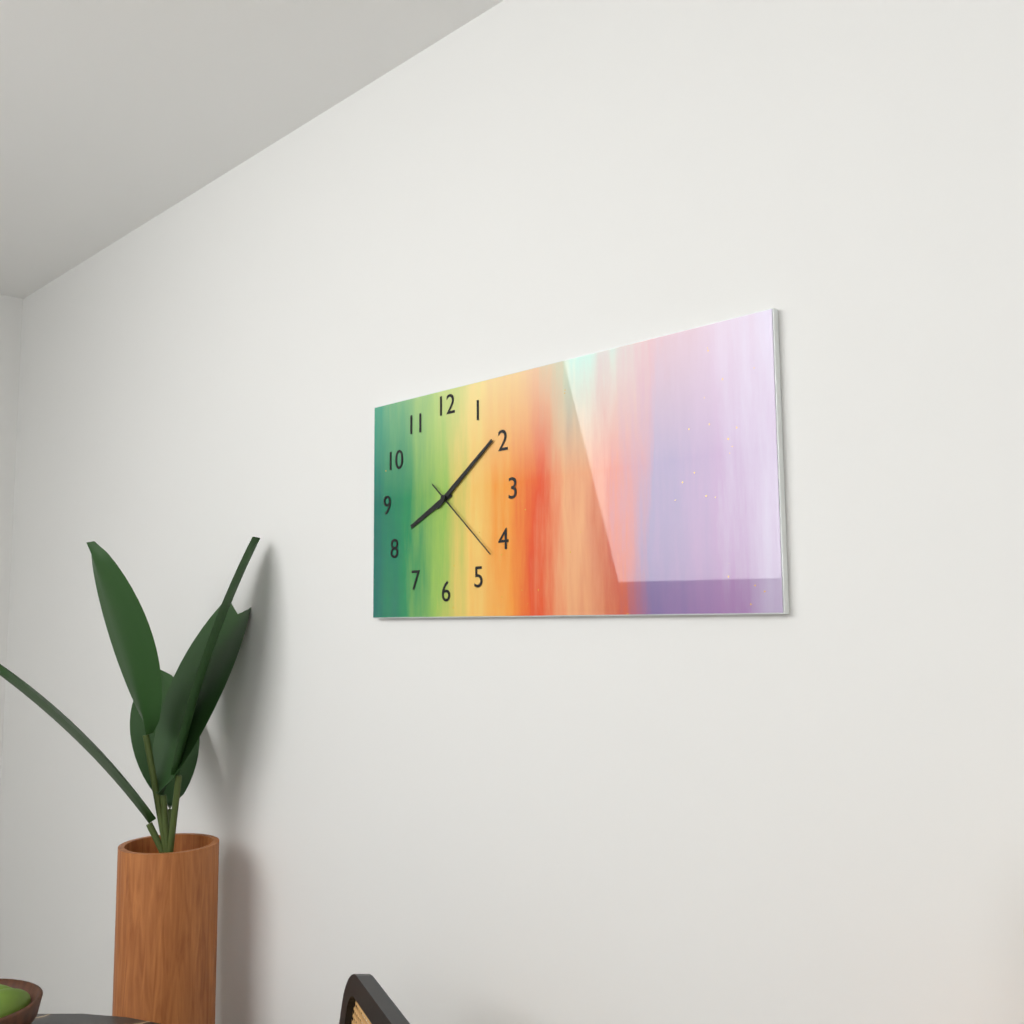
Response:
h=8 m=9 s=22
